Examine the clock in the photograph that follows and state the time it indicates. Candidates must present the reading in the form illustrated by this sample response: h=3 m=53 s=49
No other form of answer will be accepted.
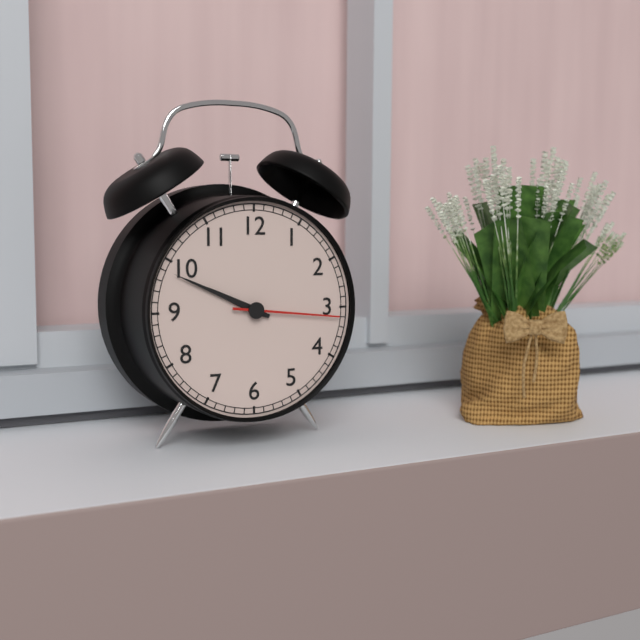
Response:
h=9 m=49 s=16
